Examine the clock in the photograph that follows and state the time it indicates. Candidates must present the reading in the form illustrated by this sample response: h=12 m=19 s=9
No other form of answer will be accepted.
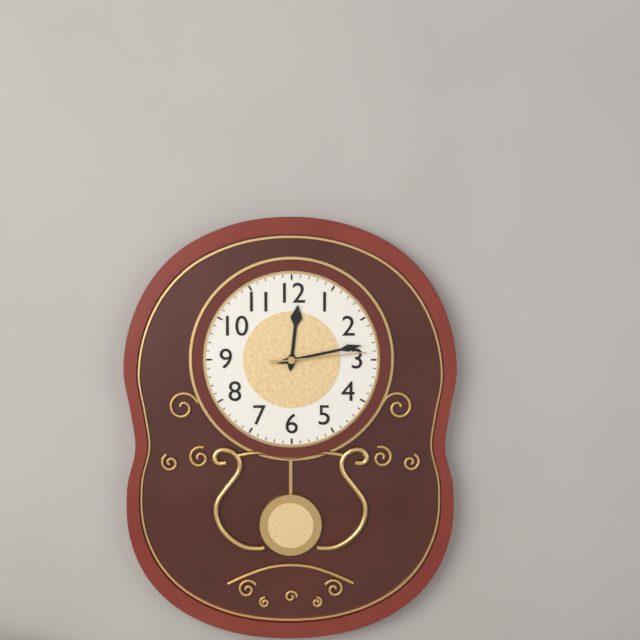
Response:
h=12 m=13 s=14
